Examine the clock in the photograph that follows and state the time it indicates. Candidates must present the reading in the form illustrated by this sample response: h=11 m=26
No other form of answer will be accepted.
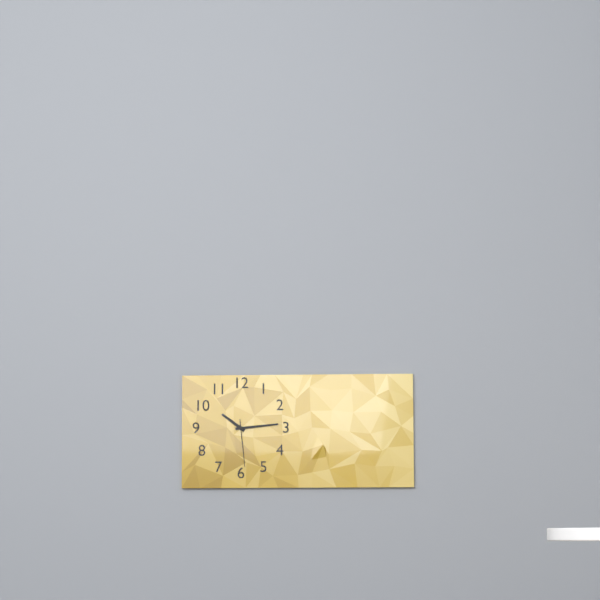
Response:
h=10 m=14
